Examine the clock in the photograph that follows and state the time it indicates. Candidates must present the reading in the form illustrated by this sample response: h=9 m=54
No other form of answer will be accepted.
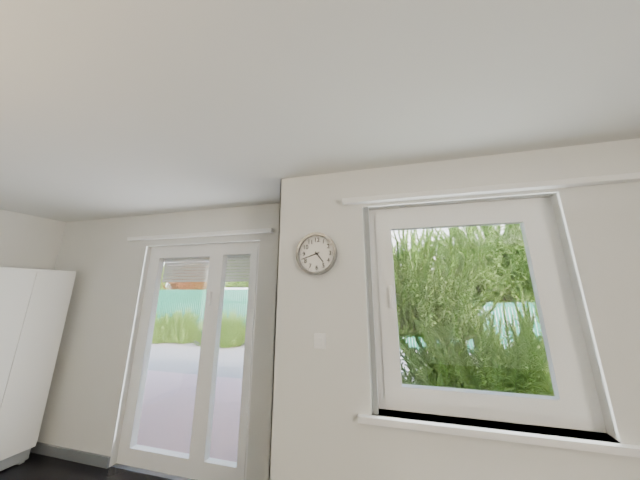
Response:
h=4 m=42
